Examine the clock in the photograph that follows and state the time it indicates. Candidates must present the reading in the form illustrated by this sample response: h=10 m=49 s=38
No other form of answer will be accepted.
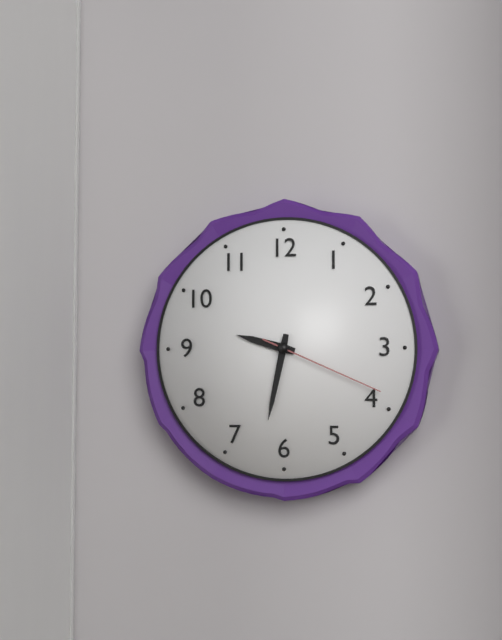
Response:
h=9 m=32 s=19
